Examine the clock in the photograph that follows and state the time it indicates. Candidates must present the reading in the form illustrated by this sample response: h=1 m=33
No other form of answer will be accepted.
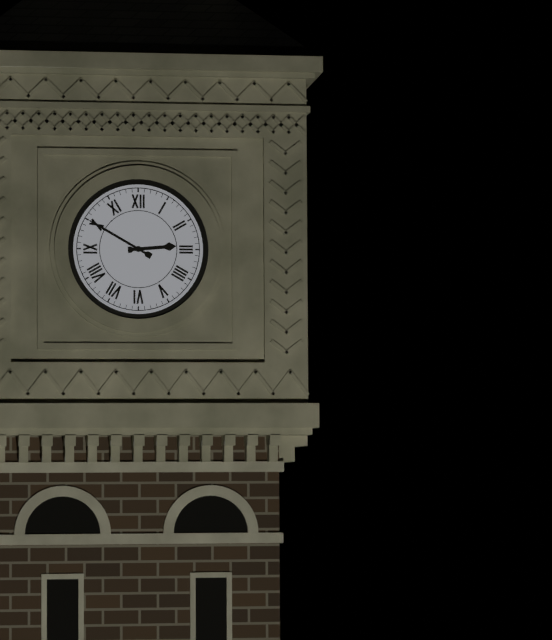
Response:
h=2 m=50
